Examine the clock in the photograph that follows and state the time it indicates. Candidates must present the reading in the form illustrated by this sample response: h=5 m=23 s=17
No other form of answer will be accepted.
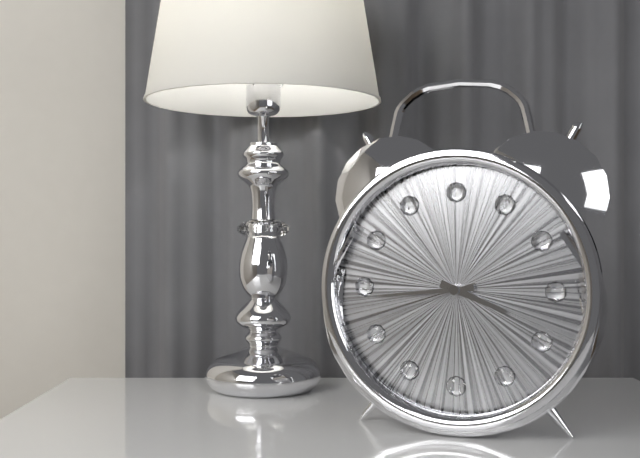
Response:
h=3 m=44 s=42
